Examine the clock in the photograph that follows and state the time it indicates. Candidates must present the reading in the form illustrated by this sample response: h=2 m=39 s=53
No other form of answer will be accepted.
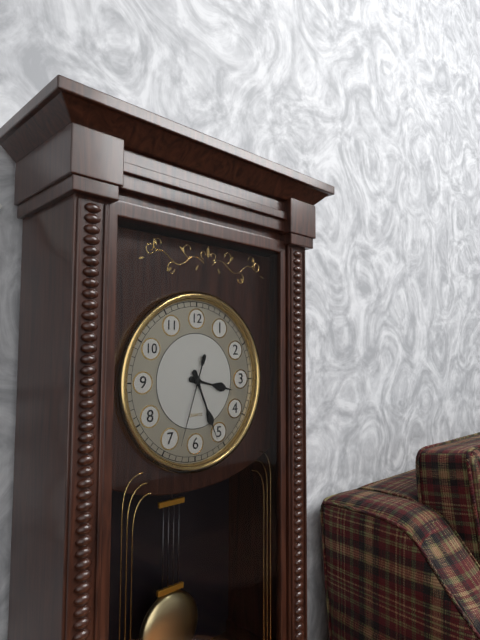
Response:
h=3 m=26 s=33
